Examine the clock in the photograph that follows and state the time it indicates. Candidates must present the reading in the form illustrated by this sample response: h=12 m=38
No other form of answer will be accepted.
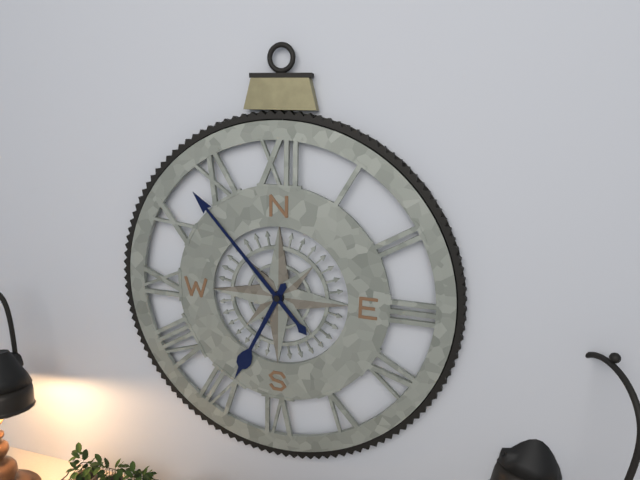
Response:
h=6 m=53
